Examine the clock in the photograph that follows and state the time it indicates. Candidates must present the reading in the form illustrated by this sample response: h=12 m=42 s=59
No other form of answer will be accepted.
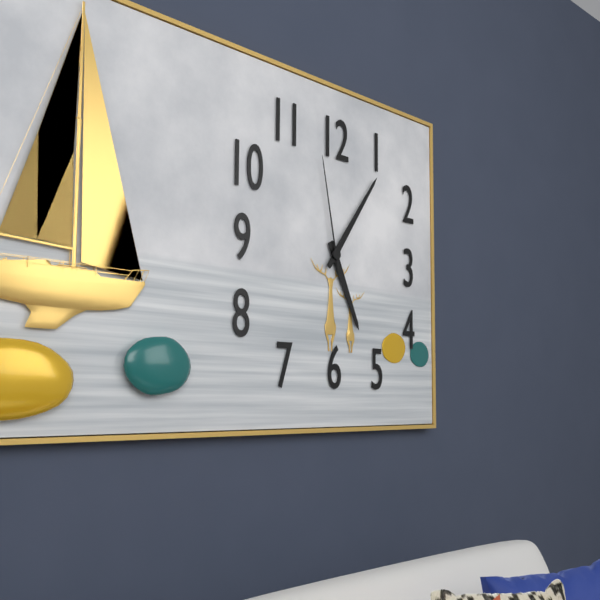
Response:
h=5 m=6 s=58
